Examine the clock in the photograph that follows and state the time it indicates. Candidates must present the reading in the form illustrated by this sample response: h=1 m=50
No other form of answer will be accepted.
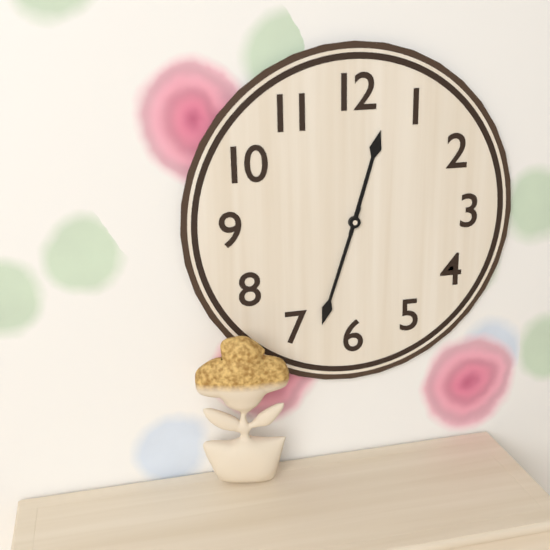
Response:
h=12 m=33
